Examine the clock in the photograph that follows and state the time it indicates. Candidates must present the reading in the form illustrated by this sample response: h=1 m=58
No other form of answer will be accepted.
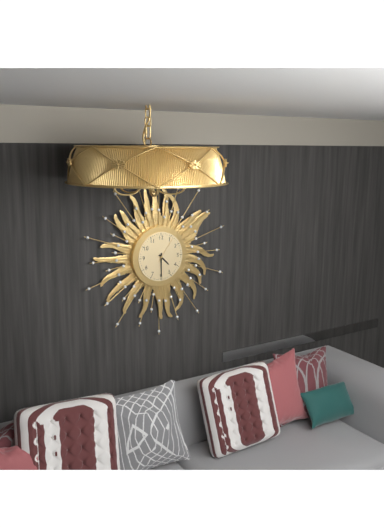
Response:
h=4 m=30
